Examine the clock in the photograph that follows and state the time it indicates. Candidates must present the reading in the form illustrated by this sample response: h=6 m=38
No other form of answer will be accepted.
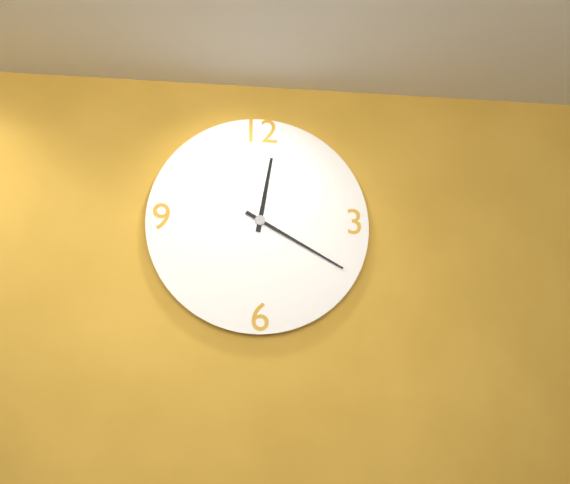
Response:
h=12 m=20
